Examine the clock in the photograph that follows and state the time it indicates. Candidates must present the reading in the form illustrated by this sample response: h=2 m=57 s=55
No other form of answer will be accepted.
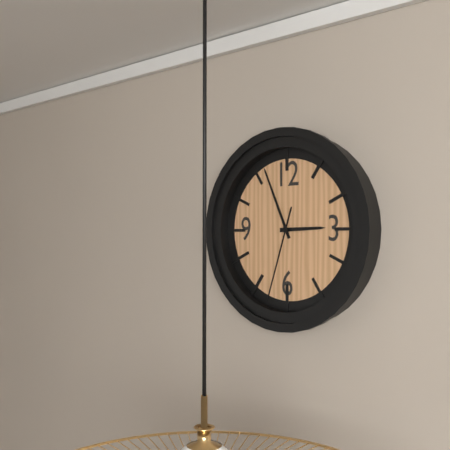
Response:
h=2 m=56 s=33
